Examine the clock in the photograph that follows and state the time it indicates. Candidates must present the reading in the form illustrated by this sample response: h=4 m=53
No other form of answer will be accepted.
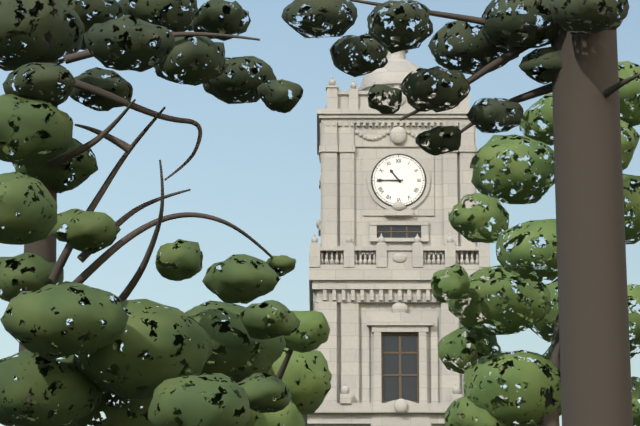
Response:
h=10 m=45
